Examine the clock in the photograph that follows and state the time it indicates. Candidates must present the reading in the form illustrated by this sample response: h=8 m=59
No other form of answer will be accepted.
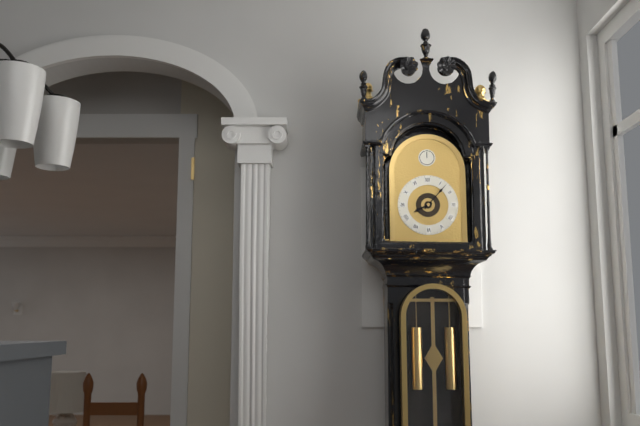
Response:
h=8 m=7
